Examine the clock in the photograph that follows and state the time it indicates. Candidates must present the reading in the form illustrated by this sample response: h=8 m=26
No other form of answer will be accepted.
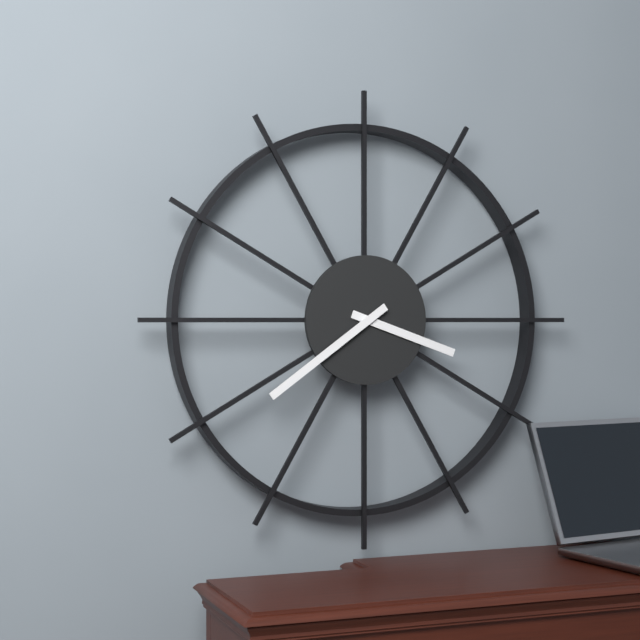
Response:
h=3 m=39
